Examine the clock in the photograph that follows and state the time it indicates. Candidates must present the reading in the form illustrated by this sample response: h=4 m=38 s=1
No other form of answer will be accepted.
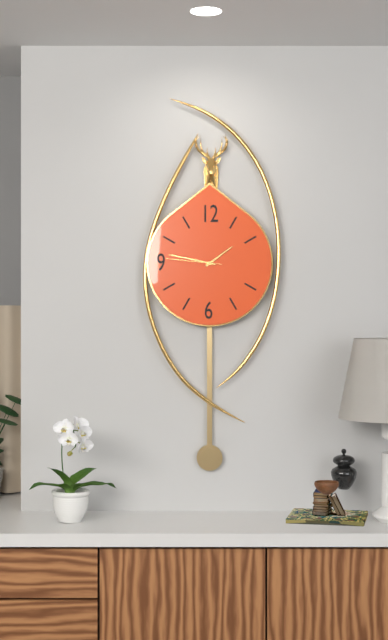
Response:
h=1 m=47 s=46
